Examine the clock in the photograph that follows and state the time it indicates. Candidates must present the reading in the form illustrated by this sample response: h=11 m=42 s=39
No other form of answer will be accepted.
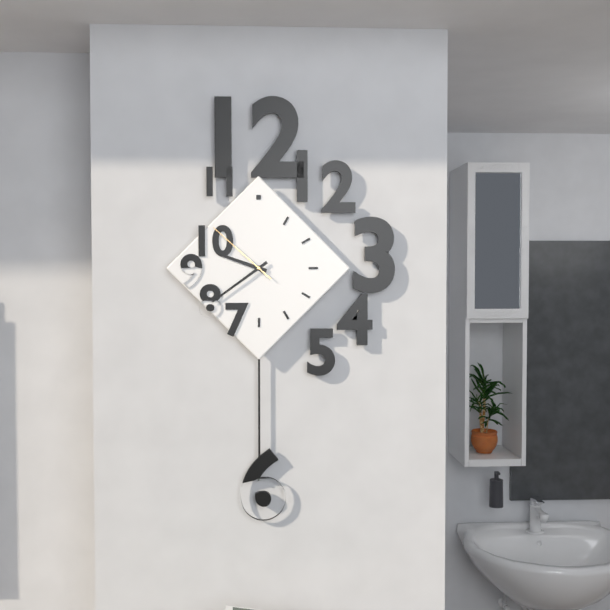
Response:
h=9 m=39 s=52
